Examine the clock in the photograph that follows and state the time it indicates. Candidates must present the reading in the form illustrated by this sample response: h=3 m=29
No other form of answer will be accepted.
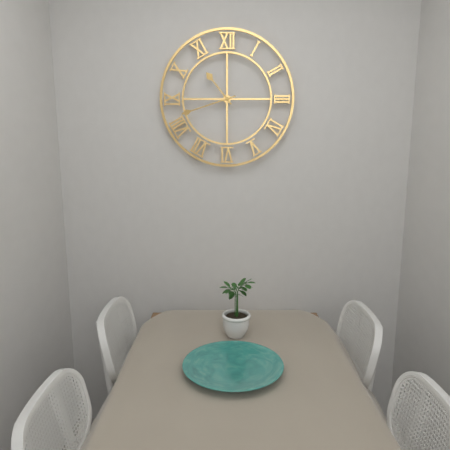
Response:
h=10 m=42
